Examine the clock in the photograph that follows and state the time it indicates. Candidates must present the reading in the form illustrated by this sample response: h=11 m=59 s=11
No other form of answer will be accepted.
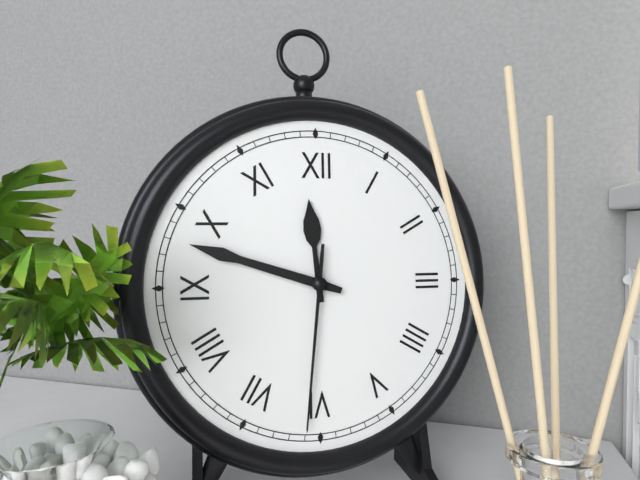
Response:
h=11 m=48 s=31
